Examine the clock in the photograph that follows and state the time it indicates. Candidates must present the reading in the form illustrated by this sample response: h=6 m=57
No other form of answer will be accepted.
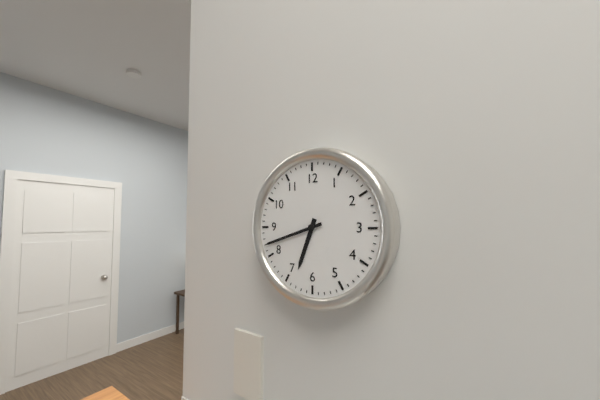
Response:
h=6 m=42
